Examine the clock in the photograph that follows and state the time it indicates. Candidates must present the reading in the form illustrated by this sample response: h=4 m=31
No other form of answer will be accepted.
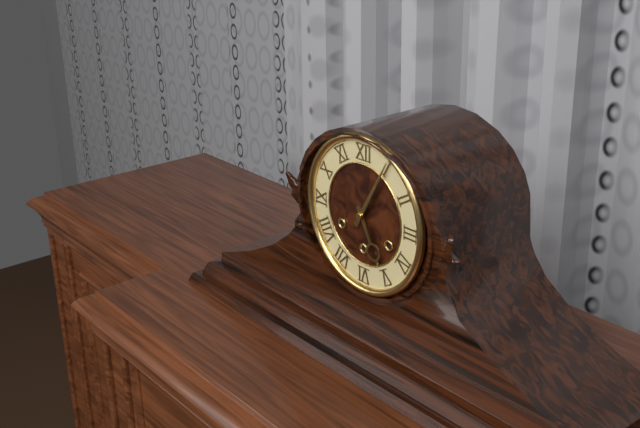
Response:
h=5 m=5
